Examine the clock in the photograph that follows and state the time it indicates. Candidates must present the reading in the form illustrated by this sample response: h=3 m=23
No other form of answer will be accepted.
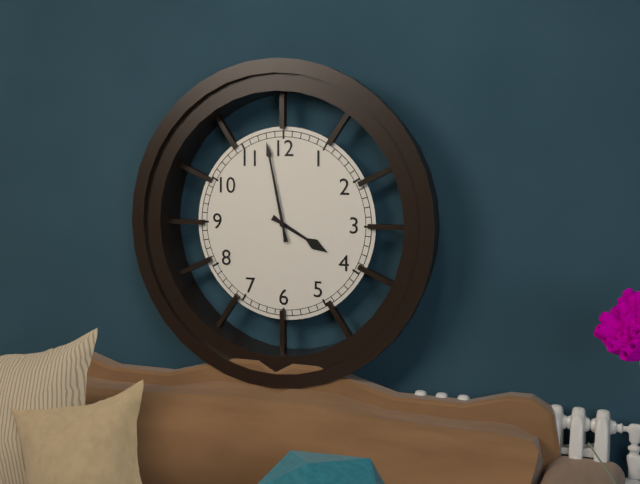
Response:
h=3 m=58
